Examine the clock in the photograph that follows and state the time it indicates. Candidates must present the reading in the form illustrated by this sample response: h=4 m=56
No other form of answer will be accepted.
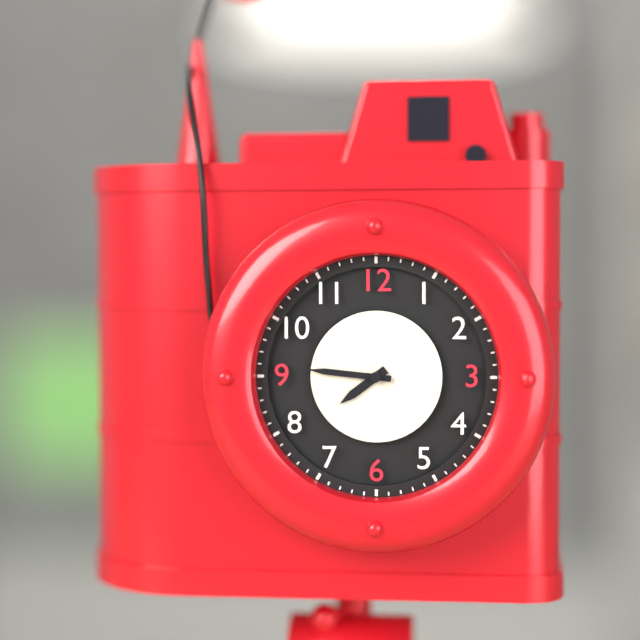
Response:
h=7 m=46
